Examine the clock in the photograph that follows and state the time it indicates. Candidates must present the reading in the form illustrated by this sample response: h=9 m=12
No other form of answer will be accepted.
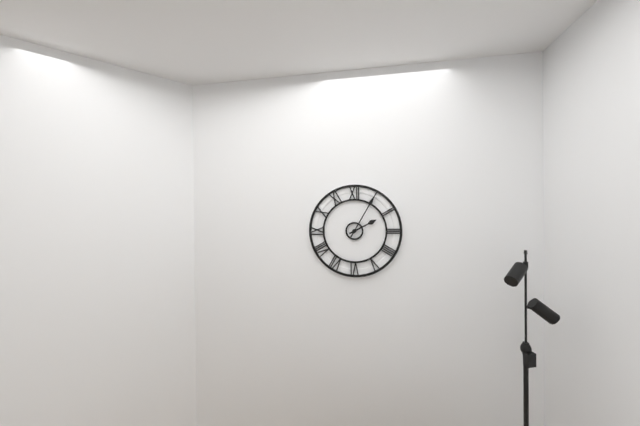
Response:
h=2 m=5
